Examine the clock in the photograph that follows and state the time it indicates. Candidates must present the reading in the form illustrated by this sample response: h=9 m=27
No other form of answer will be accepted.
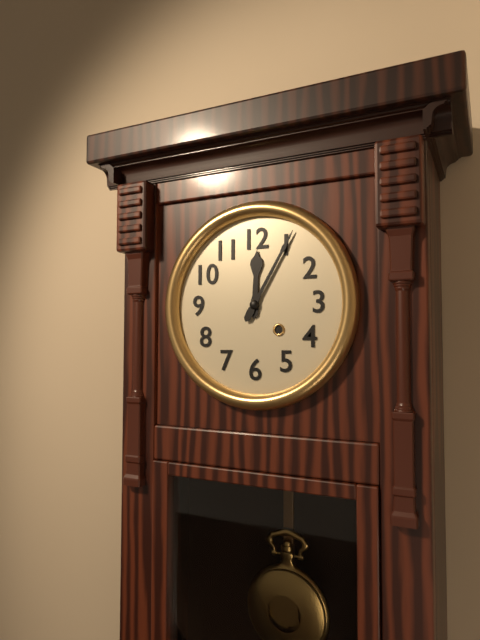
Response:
h=12 m=5
